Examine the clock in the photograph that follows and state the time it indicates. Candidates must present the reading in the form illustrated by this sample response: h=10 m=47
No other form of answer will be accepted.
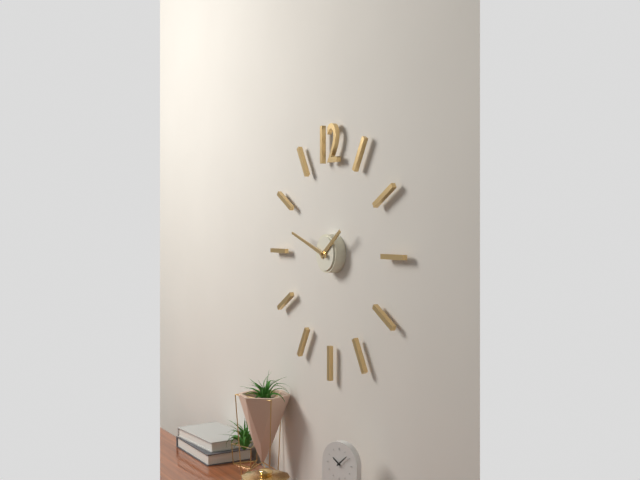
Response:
h=1 m=48
